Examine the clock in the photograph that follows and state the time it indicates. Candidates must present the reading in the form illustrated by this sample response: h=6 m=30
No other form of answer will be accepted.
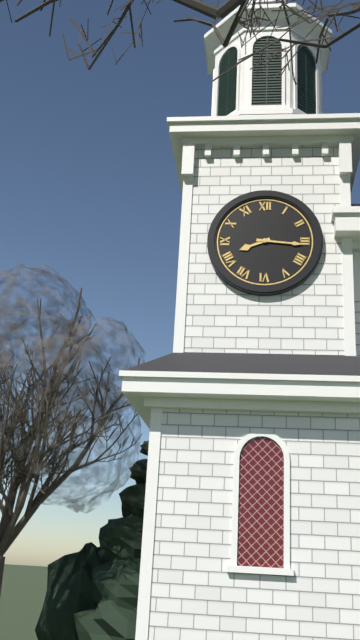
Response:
h=8 m=16
